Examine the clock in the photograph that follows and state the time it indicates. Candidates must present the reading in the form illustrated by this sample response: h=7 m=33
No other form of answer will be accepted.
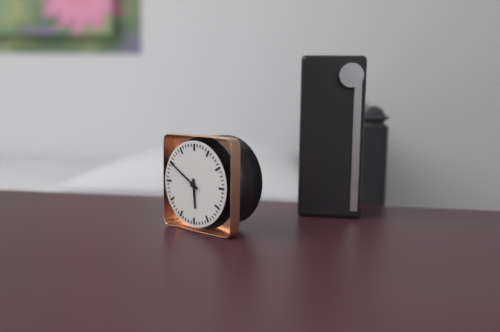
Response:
h=5 m=50
